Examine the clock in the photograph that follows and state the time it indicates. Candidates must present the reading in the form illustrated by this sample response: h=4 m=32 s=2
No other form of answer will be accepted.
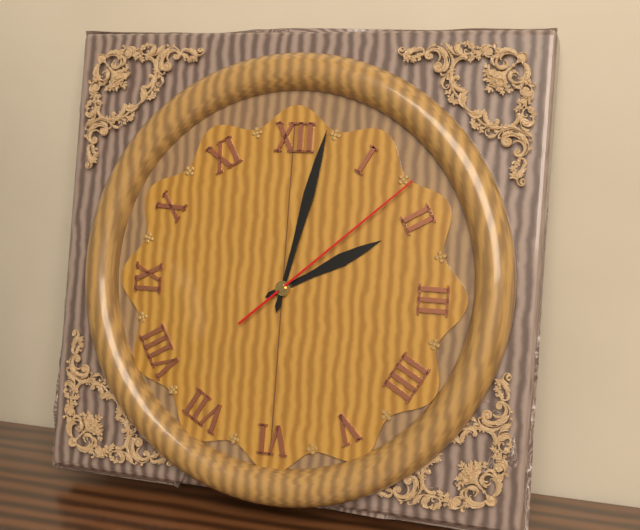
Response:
h=2 m=2 s=8
